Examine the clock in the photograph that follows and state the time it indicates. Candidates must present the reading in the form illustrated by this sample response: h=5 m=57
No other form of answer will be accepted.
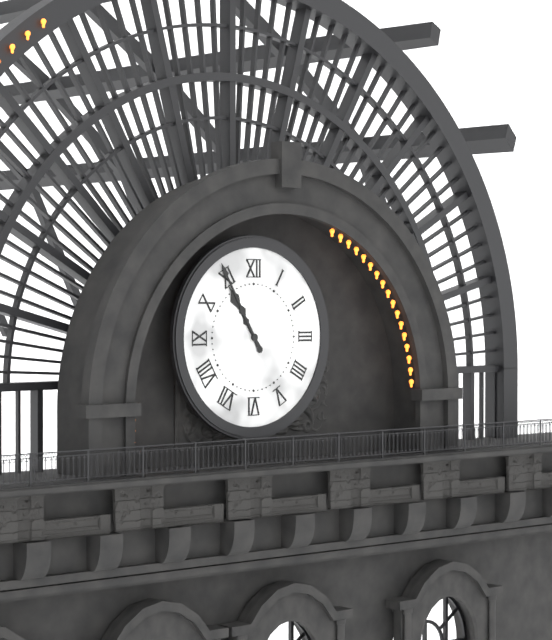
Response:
h=10 m=55
